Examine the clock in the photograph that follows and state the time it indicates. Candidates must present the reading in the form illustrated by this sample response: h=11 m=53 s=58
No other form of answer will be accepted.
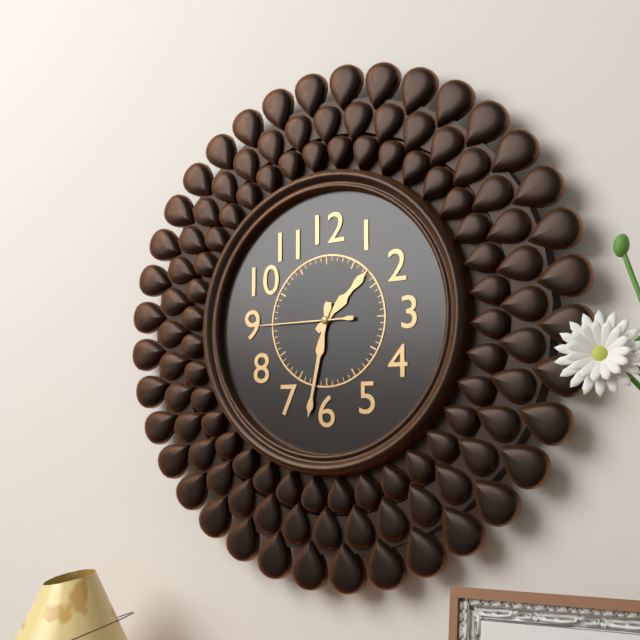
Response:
h=1 m=32 s=45
